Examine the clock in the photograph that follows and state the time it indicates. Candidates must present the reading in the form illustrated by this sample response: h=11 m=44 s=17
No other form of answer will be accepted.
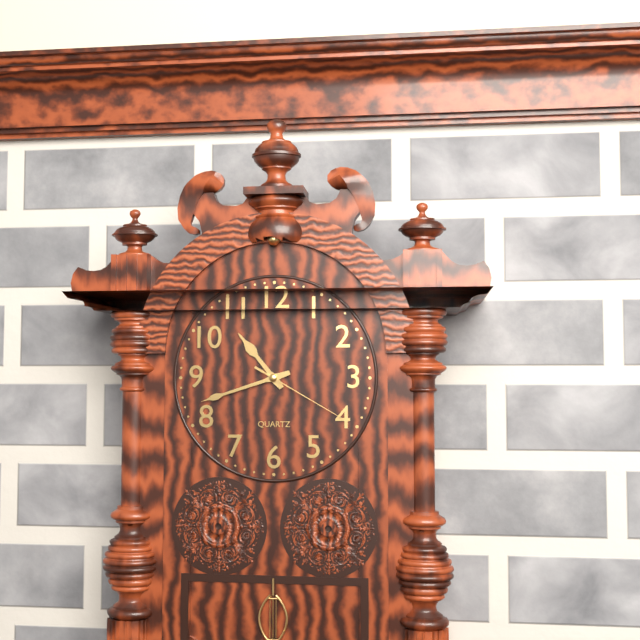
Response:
h=10 m=42 s=20
